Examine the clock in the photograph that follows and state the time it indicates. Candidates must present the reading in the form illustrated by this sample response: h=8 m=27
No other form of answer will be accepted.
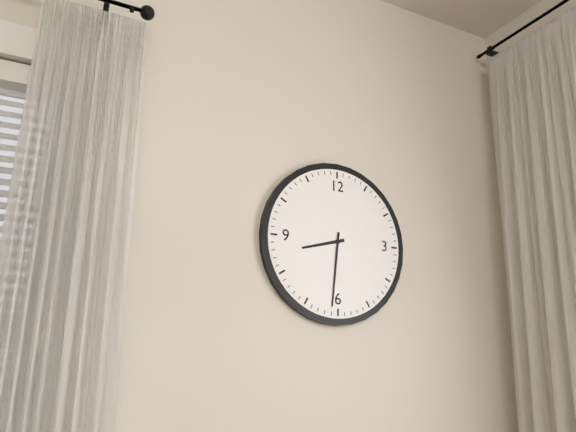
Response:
h=8 m=31
